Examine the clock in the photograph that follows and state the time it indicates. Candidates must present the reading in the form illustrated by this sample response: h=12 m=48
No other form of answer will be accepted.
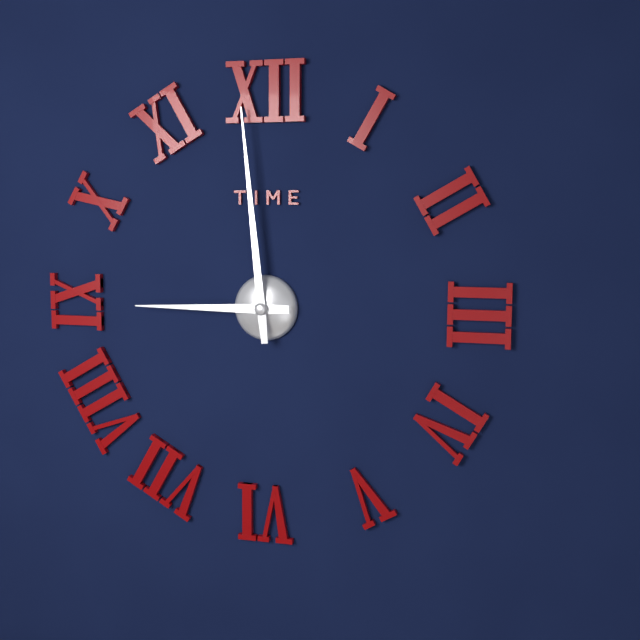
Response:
h=8 m=59
